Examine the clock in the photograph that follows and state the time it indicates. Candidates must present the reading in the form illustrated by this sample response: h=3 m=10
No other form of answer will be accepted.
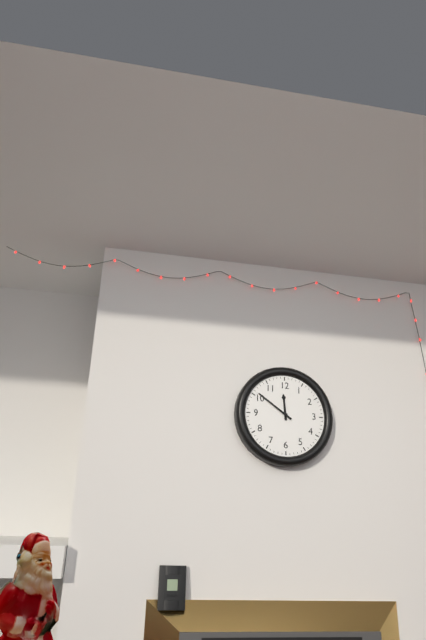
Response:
h=11 m=51
